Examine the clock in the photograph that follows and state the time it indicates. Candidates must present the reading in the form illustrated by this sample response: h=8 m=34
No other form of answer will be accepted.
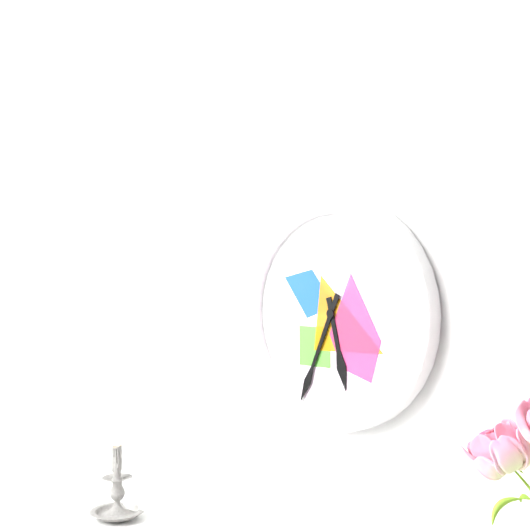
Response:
h=5 m=34
